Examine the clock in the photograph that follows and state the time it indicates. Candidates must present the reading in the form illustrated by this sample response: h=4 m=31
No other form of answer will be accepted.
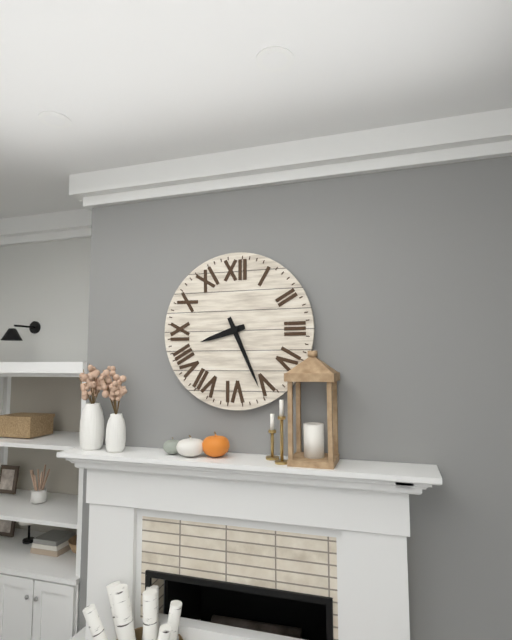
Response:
h=8 m=26
